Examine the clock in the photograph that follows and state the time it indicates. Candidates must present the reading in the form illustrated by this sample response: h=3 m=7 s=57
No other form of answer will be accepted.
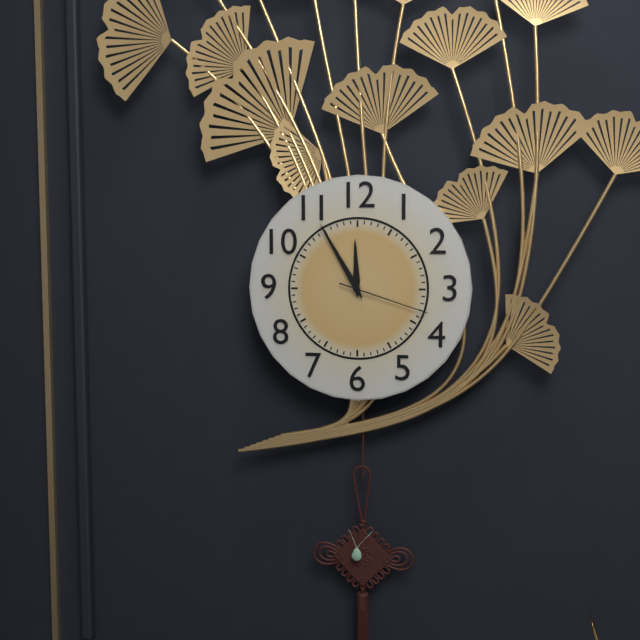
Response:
h=11 m=55 s=18
